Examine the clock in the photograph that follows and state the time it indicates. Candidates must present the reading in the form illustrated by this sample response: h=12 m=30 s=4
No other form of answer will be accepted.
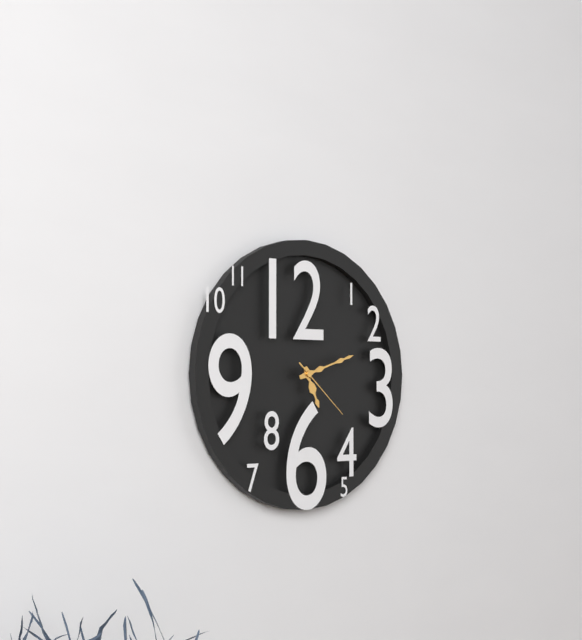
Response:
h=5 m=12 s=22
